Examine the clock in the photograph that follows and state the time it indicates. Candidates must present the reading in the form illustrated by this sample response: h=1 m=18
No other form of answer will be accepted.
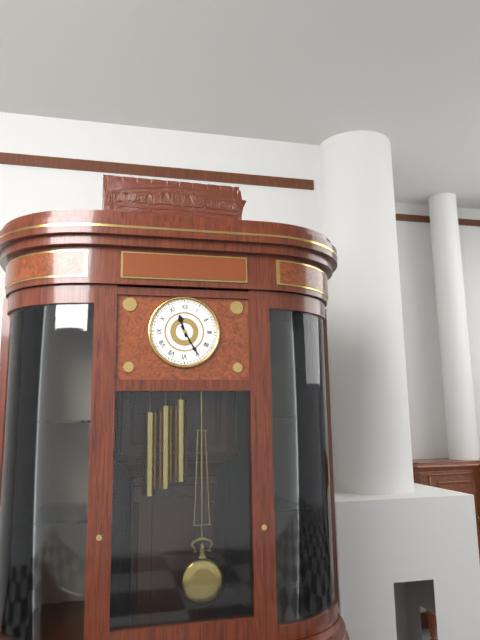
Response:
h=11 m=25
